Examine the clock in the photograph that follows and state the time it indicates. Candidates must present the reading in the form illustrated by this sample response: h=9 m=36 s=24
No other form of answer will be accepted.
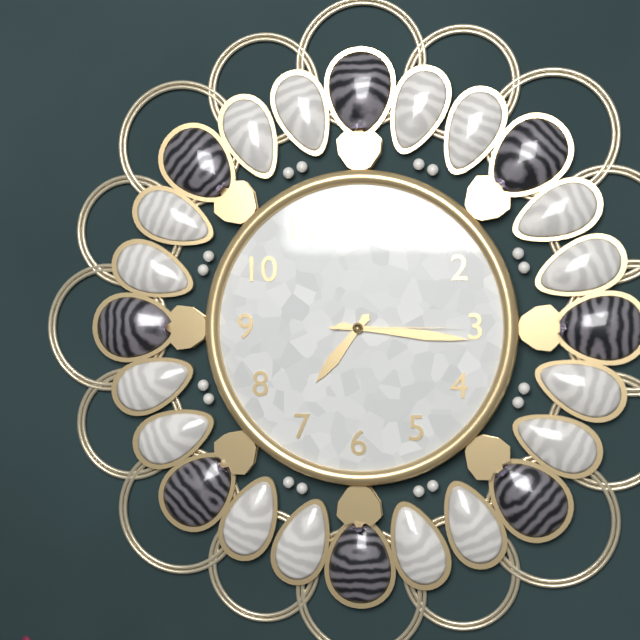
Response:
h=7 m=16 s=15
